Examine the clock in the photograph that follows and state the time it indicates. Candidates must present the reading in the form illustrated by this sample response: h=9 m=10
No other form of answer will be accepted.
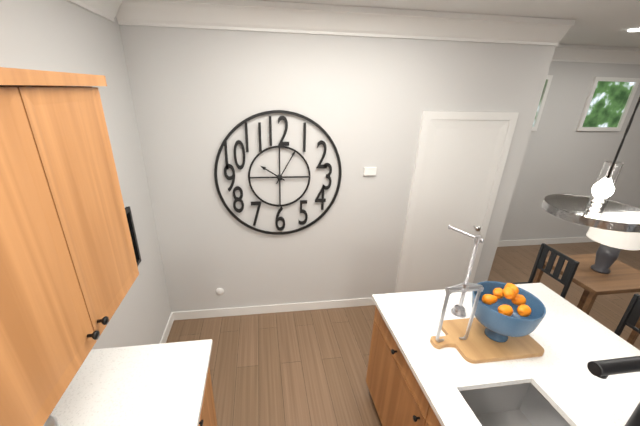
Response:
h=10 m=5
